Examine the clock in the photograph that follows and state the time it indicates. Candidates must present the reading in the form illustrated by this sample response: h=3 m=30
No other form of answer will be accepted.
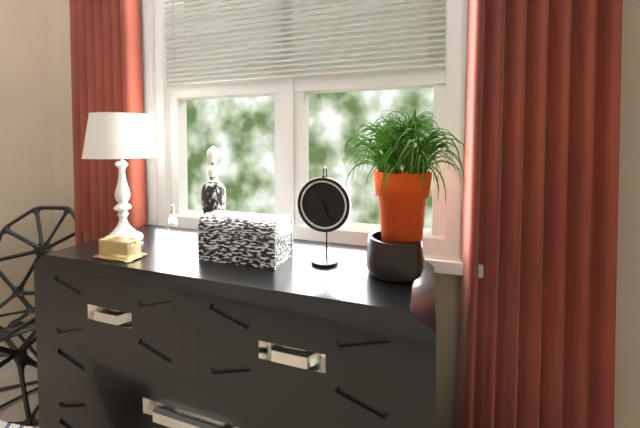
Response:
h=5 m=26
